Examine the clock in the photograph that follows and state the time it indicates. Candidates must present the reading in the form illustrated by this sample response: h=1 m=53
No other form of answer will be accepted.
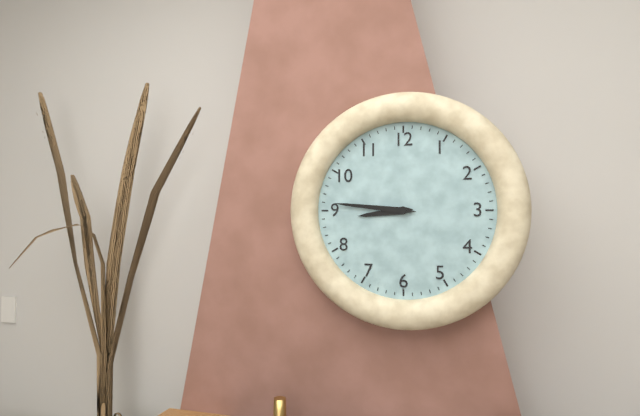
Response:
h=8 m=46
